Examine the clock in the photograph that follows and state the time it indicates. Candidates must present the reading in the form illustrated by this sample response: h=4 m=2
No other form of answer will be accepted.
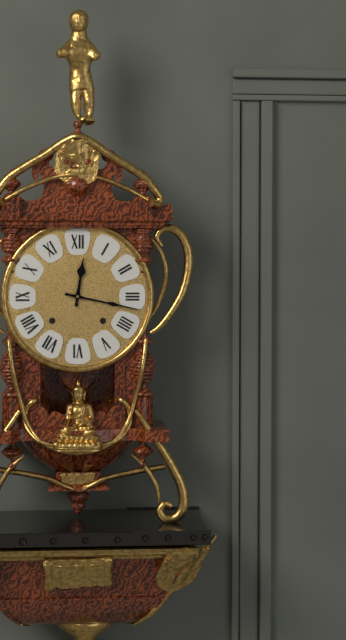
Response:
h=12 m=17
